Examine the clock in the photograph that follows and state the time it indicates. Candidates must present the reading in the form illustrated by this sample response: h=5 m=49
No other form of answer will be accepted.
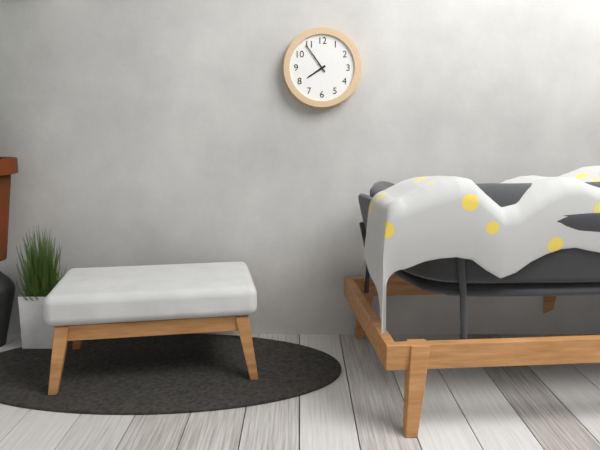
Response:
h=7 m=54
